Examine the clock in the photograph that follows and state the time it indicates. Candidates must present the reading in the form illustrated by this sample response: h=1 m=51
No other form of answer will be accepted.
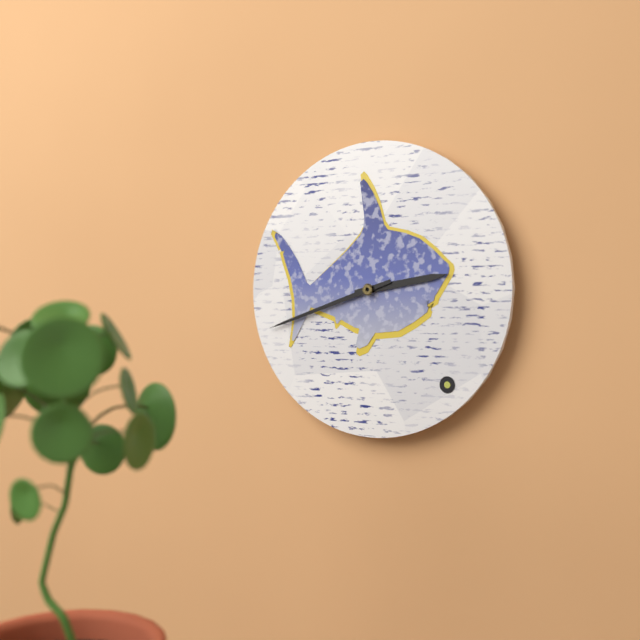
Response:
h=2 m=42
